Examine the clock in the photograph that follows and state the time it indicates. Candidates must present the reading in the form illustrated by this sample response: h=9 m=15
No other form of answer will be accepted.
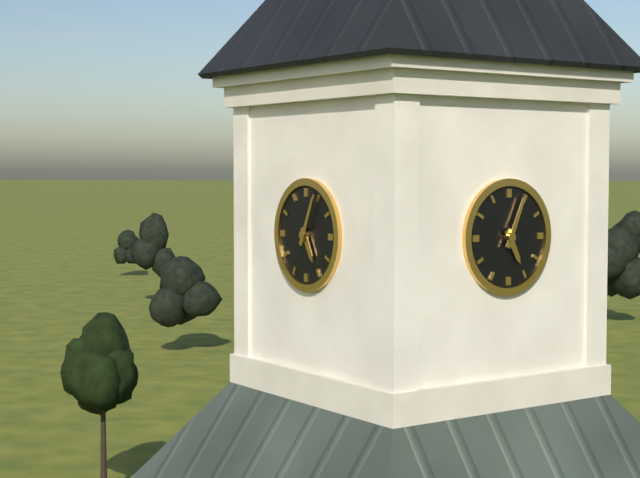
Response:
h=5 m=4
